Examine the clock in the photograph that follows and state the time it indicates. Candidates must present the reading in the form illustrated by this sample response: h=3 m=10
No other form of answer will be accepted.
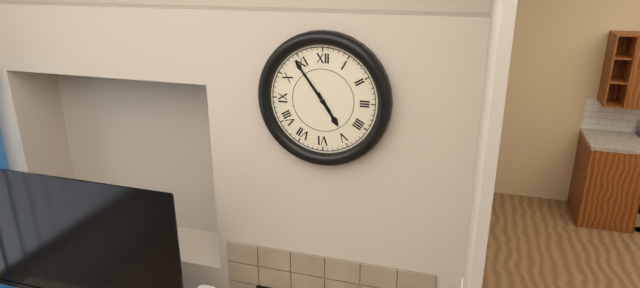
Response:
h=4 m=54
